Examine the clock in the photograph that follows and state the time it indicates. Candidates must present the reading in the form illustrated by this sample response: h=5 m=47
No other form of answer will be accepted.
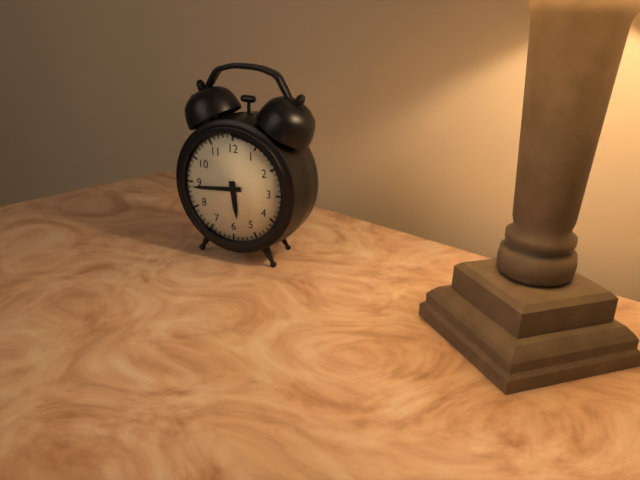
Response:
h=5 m=44
